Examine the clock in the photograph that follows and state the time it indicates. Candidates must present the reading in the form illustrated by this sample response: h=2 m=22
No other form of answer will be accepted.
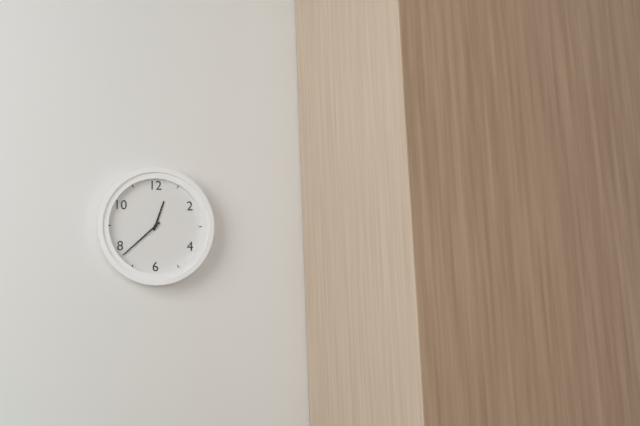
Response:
h=12 m=38
